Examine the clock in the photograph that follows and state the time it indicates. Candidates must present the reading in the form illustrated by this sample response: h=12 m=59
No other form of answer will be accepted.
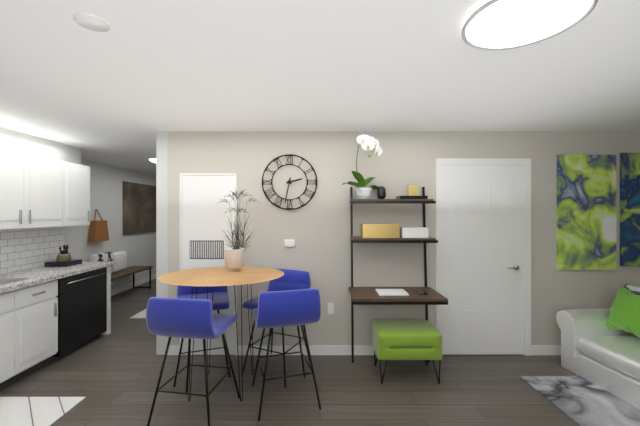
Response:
h=2 m=32
